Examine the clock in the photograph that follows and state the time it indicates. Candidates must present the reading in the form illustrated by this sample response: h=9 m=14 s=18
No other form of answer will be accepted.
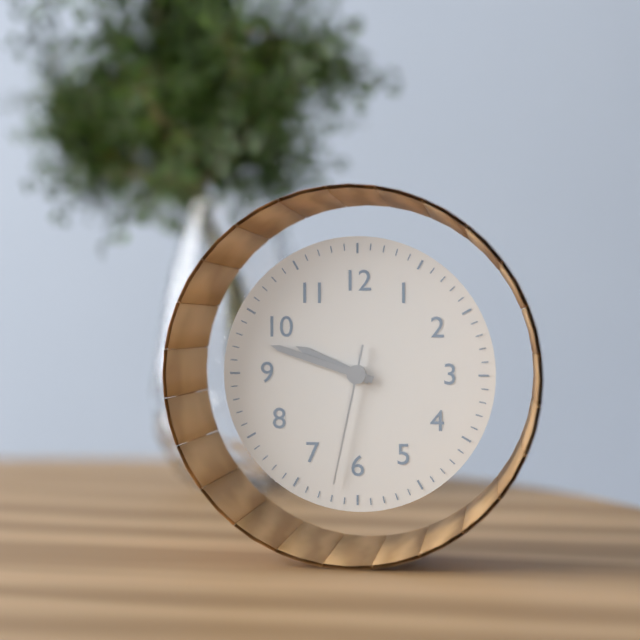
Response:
h=9 m=48 s=32
